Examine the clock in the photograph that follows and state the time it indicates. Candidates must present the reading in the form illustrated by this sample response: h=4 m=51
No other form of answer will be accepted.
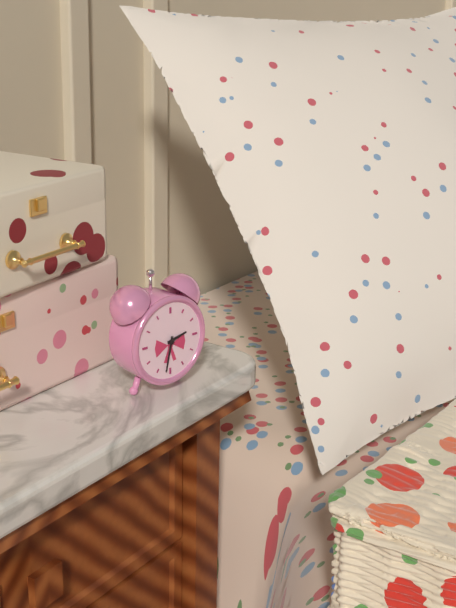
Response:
h=2 m=32
